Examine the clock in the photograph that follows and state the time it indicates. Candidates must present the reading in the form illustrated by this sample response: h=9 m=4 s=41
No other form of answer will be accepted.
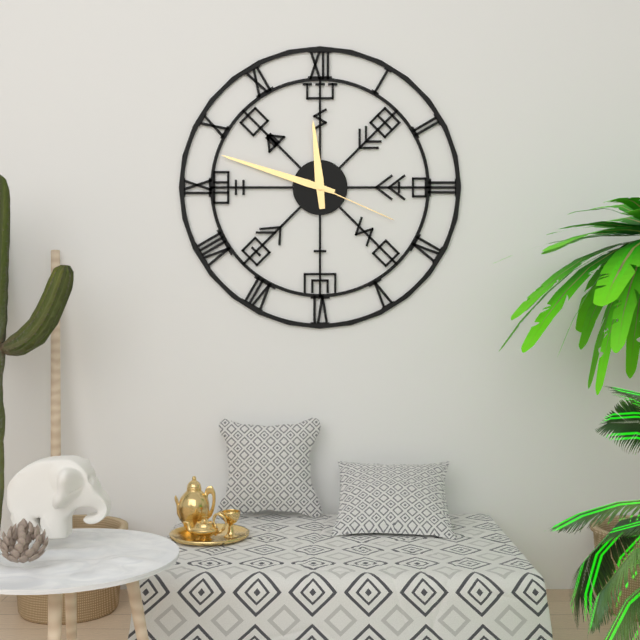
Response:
h=11 m=48 s=19
